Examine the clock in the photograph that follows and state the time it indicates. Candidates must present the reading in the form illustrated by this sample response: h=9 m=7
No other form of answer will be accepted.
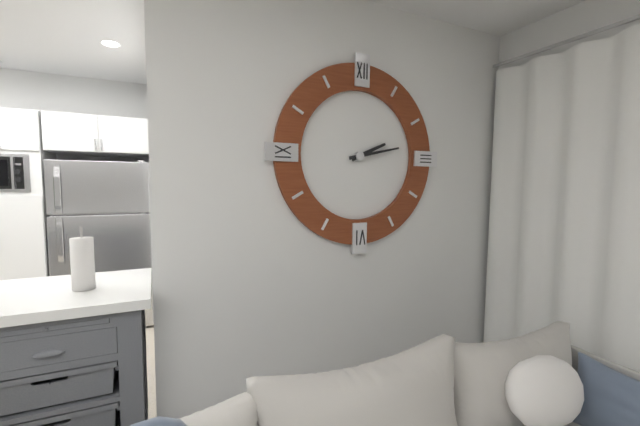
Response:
h=2 m=13
